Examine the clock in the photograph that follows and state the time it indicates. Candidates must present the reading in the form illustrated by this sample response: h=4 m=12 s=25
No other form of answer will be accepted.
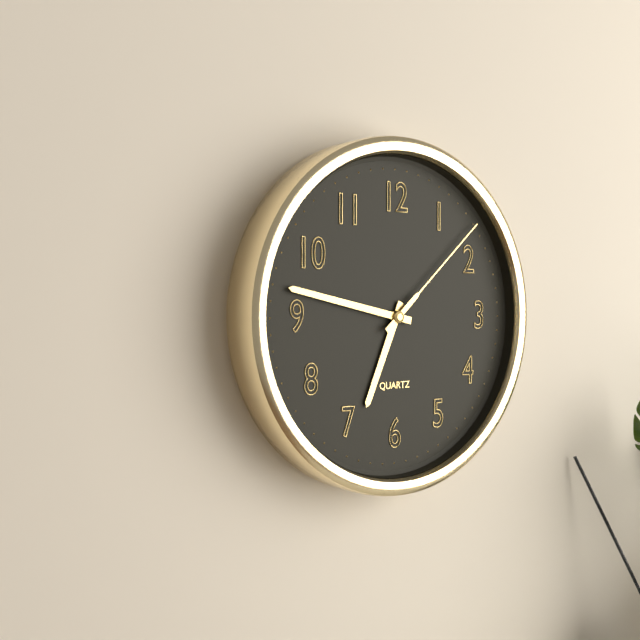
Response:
h=6 m=47 s=8
